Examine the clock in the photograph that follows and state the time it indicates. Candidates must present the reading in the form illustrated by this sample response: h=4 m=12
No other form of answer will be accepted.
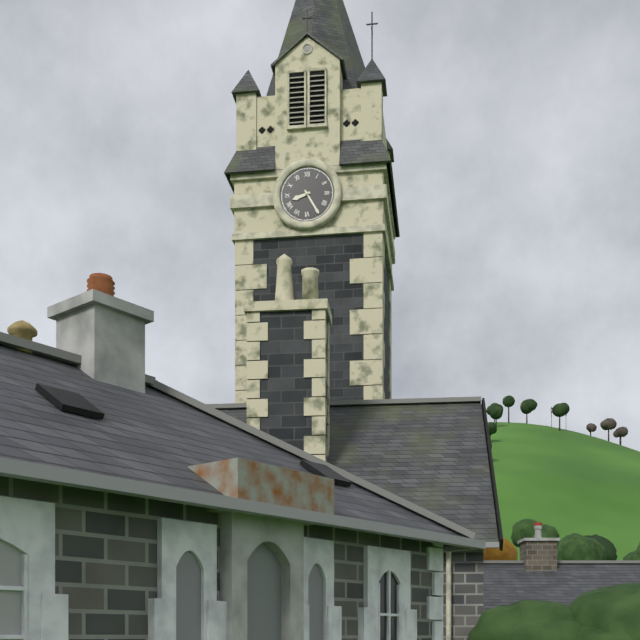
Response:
h=8 m=25
